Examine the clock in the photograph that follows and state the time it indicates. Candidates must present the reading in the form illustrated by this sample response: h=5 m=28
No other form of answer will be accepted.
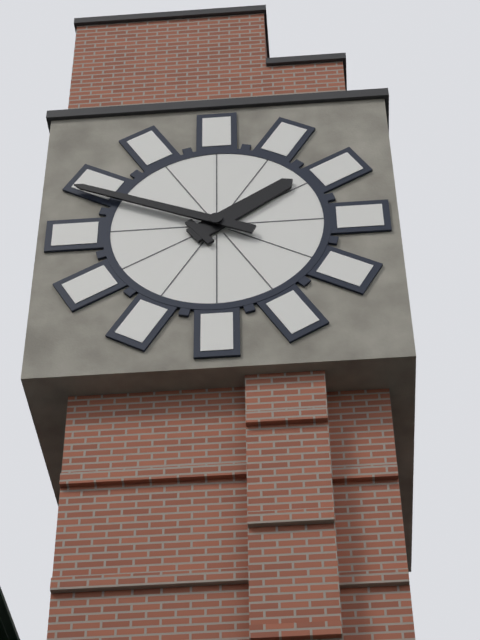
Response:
h=1 m=49
